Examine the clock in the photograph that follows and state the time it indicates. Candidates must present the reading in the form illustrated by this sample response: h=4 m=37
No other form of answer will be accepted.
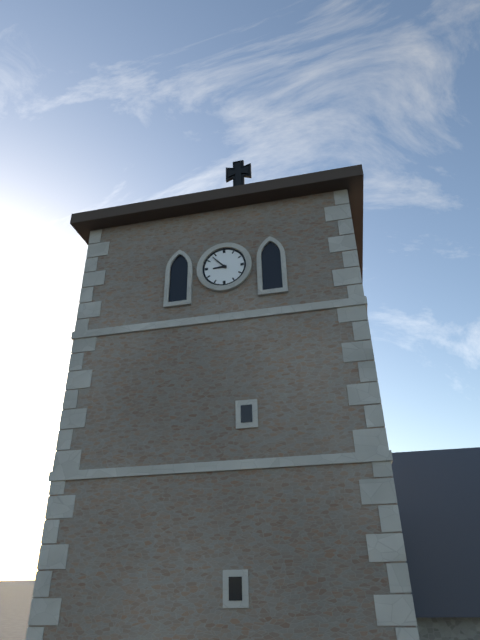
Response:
h=8 m=53
